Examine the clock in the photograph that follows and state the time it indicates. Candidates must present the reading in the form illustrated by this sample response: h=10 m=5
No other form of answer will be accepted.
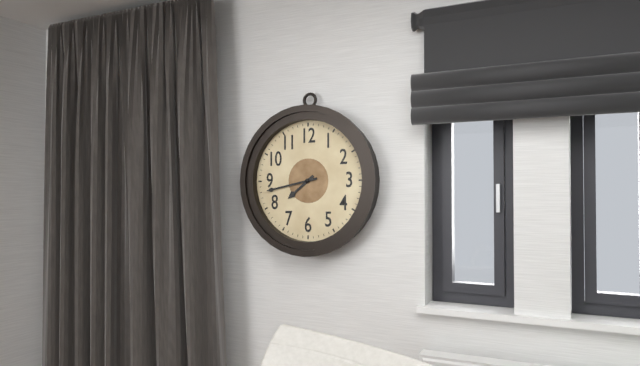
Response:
h=7 m=43
